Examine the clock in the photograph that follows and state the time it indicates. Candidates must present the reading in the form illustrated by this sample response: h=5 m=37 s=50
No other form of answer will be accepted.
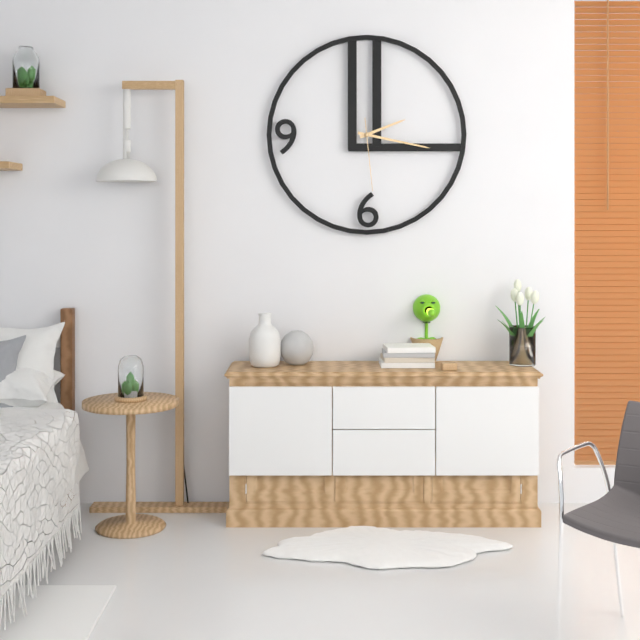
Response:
h=2 m=17 s=29
